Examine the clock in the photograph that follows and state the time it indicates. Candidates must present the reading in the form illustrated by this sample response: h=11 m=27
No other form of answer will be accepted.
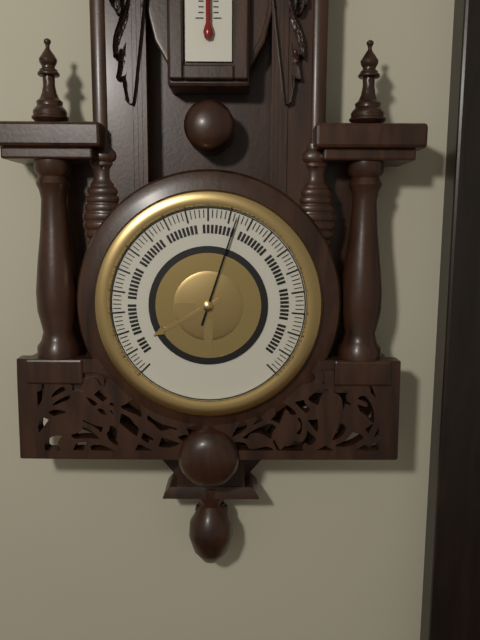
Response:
h=8 m=3
